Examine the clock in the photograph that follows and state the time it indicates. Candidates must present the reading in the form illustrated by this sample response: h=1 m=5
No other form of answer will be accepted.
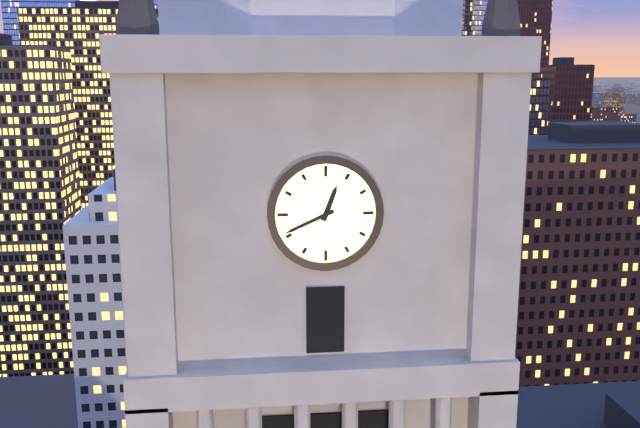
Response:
h=12 m=41
